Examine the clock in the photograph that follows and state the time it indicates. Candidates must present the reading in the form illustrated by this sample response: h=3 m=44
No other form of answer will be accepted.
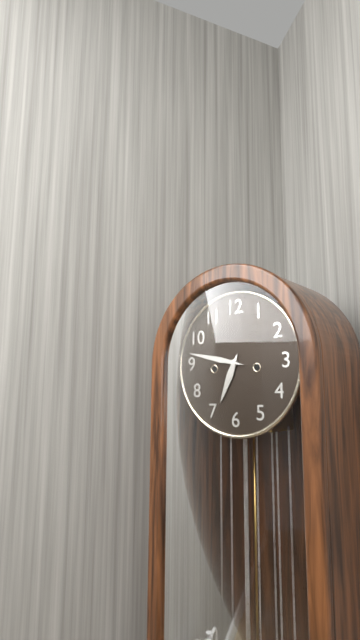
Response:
h=6 m=47
